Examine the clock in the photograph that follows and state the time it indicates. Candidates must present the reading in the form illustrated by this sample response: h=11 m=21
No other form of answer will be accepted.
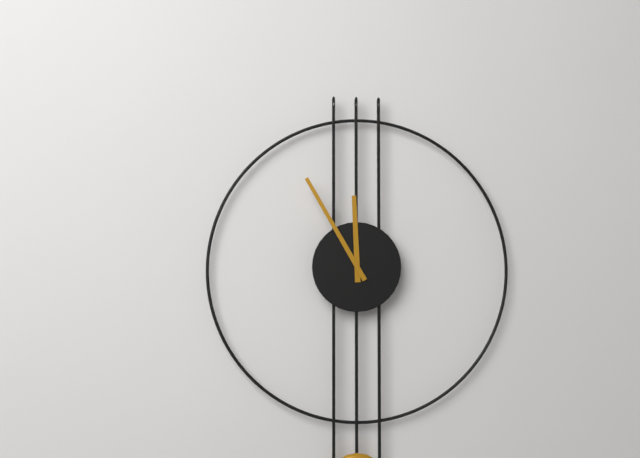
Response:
h=11 m=55
